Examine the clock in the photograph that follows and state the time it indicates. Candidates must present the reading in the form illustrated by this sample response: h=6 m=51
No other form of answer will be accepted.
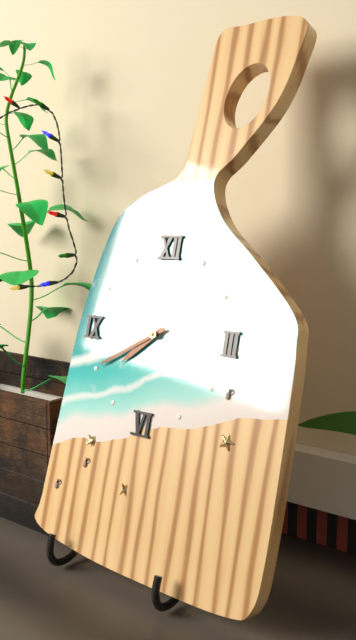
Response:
h=7 m=40
